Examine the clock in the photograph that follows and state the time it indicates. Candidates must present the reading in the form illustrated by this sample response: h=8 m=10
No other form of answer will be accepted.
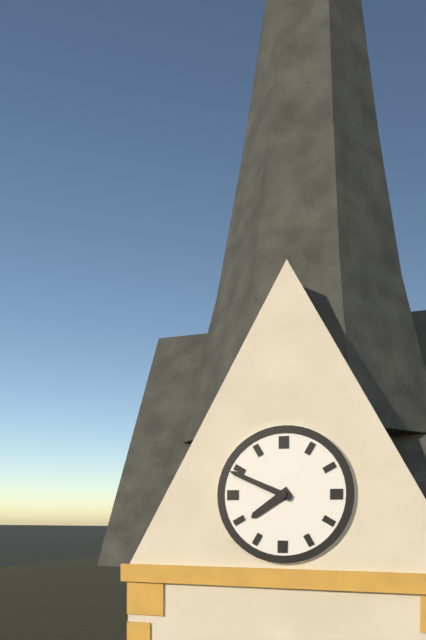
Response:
h=7 m=49
